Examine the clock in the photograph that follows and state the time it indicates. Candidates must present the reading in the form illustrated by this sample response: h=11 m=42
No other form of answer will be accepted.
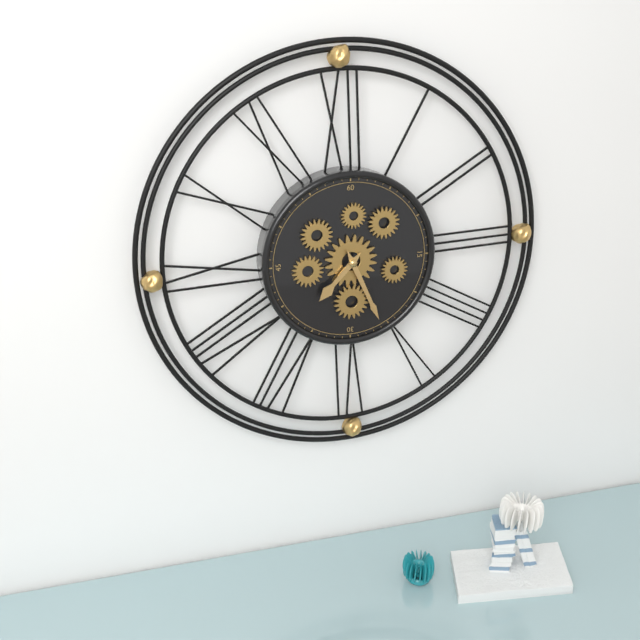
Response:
h=7 m=26
